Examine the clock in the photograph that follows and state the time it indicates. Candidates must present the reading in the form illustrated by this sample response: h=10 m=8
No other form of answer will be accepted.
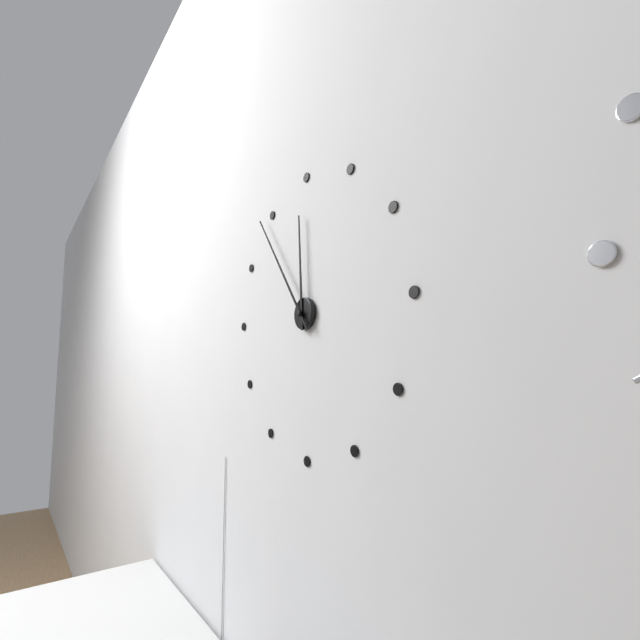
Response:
h=11 m=54
